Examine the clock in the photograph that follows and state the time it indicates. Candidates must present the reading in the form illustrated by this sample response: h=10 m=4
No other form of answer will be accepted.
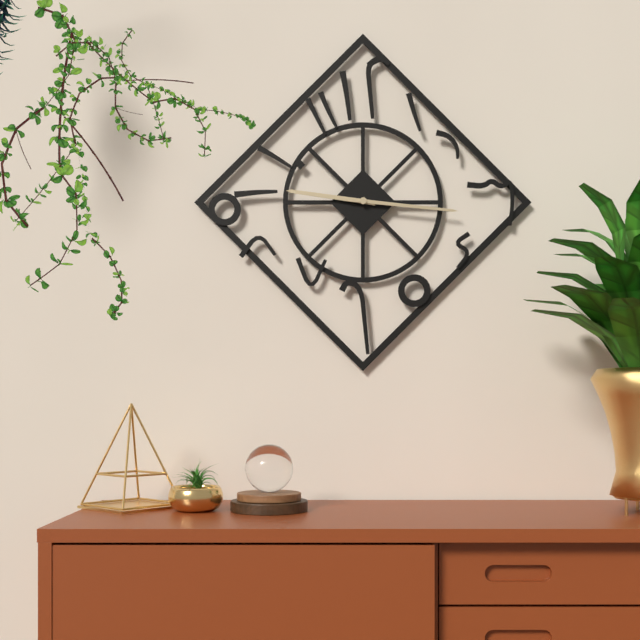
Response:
h=9 m=16
